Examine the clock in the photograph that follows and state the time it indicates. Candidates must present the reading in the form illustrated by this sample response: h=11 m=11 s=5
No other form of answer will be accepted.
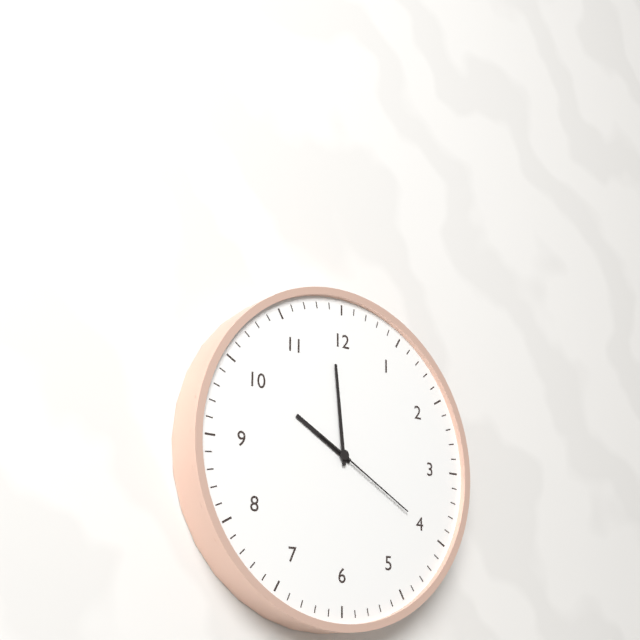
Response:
h=9 m=59 s=20
